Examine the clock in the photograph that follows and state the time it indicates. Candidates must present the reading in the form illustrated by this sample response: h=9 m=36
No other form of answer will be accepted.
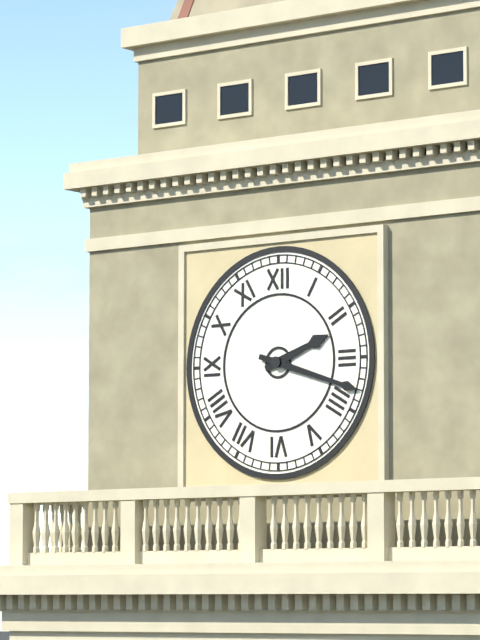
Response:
h=2 m=18
